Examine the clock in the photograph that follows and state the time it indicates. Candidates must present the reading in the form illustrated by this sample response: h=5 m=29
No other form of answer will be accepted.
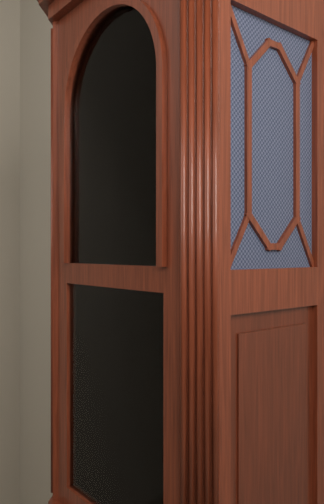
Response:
h=3 m=13
